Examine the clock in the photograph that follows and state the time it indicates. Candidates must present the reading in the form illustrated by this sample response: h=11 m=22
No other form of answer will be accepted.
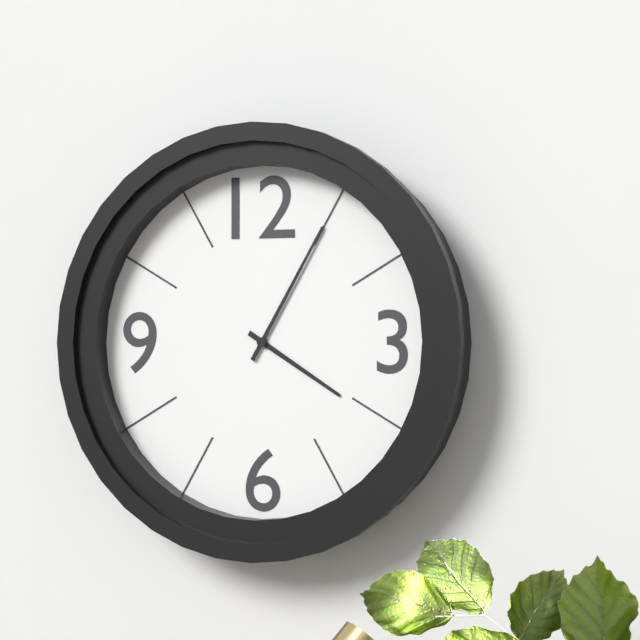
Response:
h=4 m=5
